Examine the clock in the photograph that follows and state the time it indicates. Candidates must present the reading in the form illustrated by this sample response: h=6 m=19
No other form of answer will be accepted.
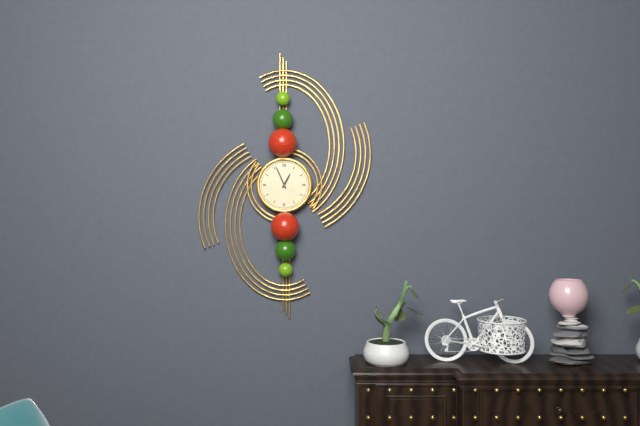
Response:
h=12 m=56
